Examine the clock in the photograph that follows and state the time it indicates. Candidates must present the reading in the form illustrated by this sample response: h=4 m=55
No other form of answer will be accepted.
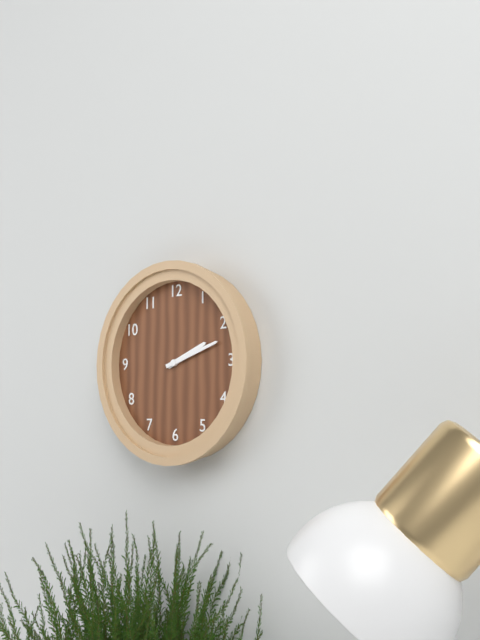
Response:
h=2 m=12
